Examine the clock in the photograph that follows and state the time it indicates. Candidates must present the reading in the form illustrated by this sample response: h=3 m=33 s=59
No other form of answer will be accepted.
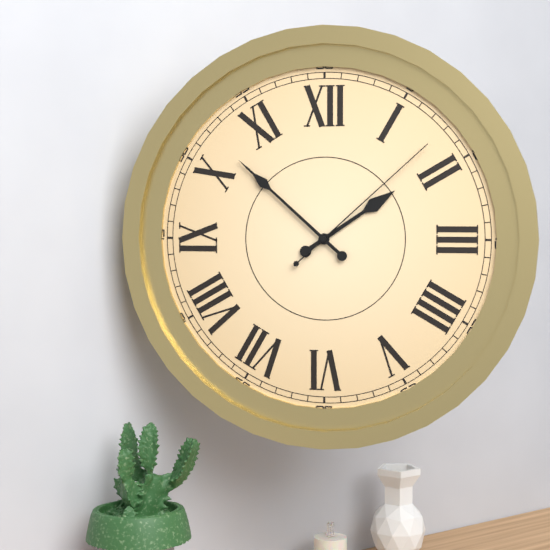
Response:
h=1 m=52 s=8
